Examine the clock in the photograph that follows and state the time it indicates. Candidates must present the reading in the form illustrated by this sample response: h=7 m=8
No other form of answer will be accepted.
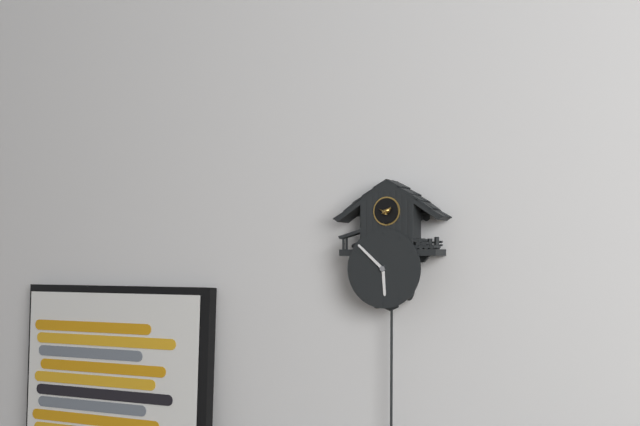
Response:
h=5 m=52
